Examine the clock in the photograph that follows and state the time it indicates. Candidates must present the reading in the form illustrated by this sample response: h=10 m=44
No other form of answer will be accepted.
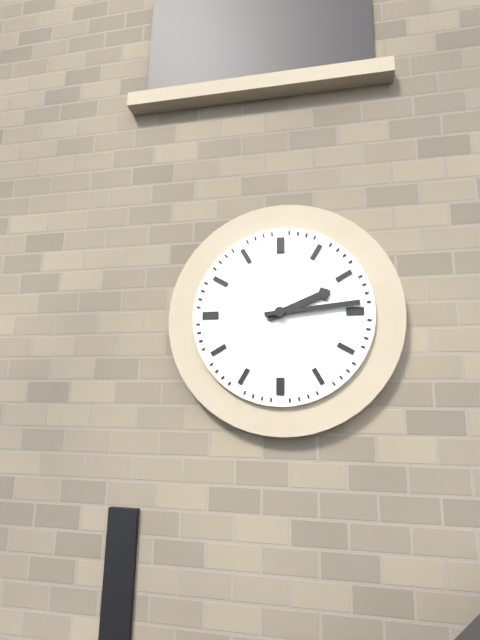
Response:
h=2 m=14
